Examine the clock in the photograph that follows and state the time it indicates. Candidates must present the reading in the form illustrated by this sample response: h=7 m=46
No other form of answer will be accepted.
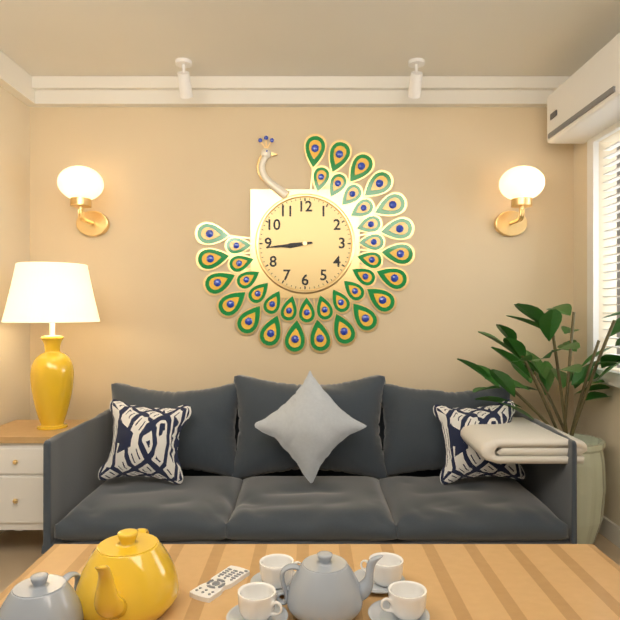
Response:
h=8 m=44
